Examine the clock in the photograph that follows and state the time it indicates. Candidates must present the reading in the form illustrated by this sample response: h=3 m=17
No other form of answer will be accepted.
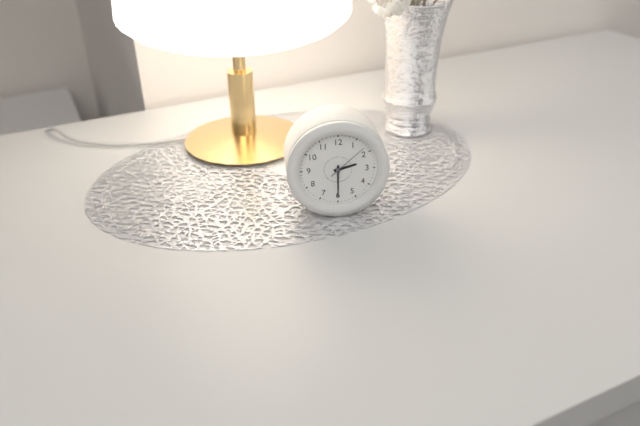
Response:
h=2 m=30
